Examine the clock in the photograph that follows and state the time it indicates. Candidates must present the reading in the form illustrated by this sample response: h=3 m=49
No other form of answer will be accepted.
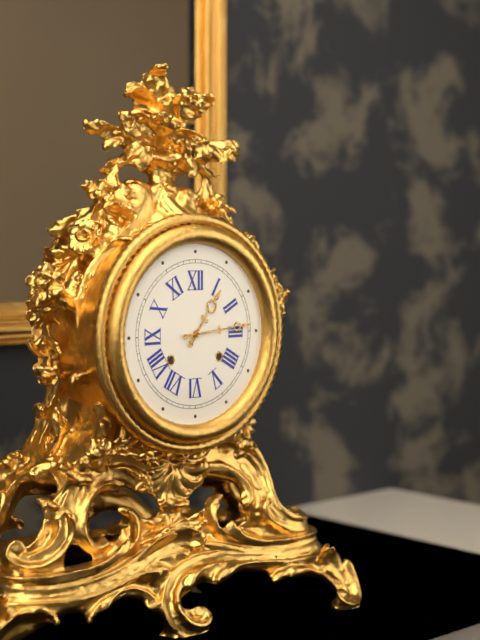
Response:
h=1 m=14
